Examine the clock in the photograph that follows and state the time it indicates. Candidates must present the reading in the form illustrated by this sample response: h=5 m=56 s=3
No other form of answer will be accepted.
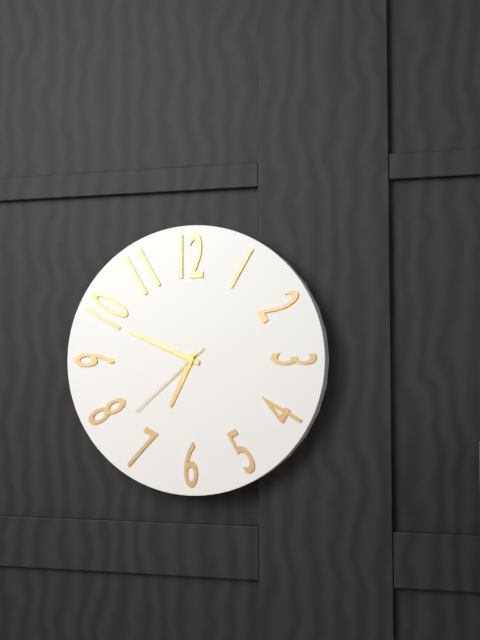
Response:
h=6 m=49 s=38
